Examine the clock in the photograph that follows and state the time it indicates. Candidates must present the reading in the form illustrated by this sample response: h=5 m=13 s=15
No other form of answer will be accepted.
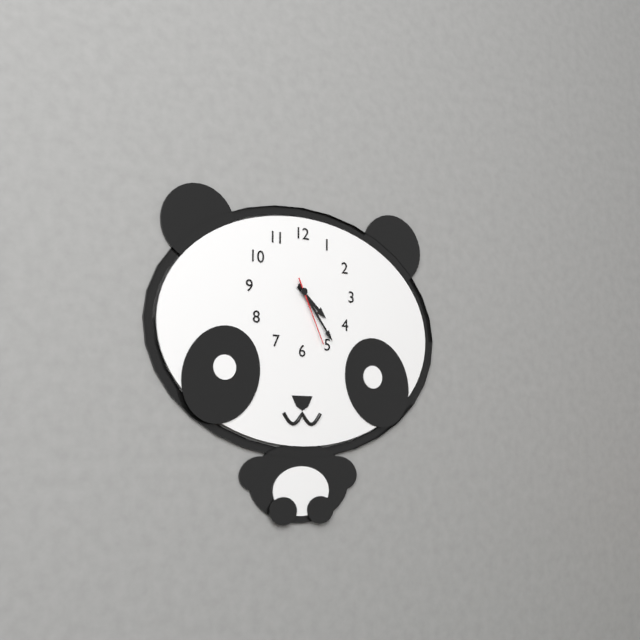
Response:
h=4 m=24 s=26
